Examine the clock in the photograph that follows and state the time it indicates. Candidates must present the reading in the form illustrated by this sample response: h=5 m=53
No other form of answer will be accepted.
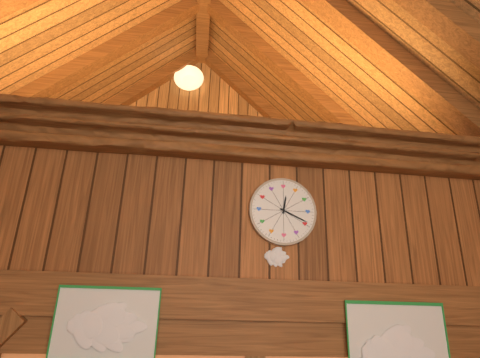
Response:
h=12 m=19
